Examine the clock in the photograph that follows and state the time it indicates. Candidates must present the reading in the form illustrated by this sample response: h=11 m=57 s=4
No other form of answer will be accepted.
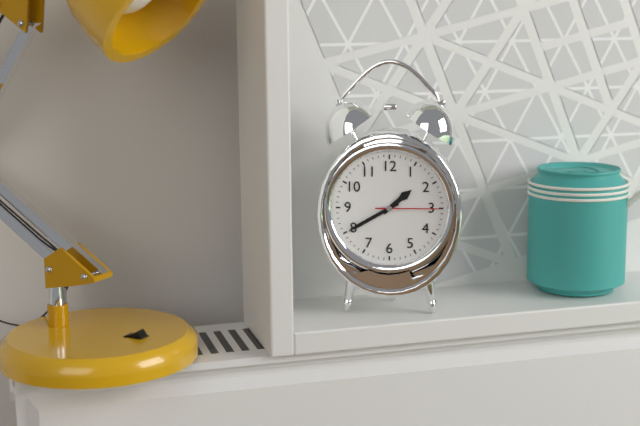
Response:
h=1 m=40 s=15
